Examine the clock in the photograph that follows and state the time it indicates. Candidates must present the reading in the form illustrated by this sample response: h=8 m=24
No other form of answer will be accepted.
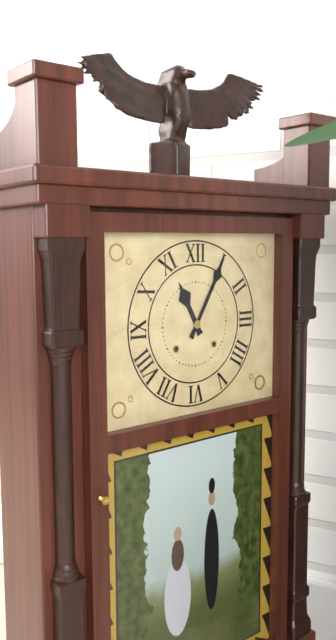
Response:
h=11 m=5
